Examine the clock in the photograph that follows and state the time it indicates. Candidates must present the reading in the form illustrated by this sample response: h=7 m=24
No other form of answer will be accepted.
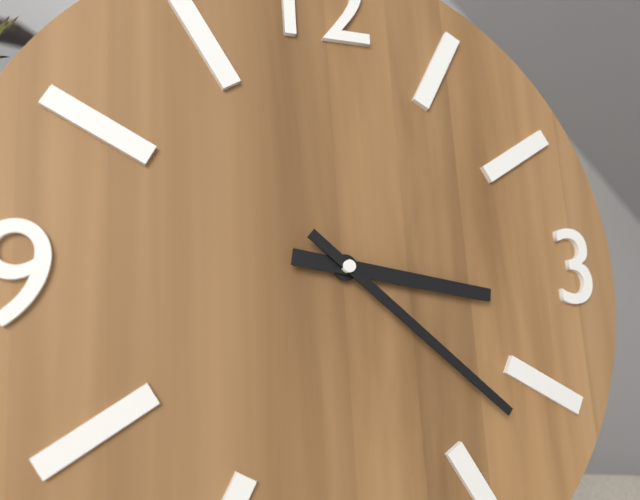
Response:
h=3 m=22
